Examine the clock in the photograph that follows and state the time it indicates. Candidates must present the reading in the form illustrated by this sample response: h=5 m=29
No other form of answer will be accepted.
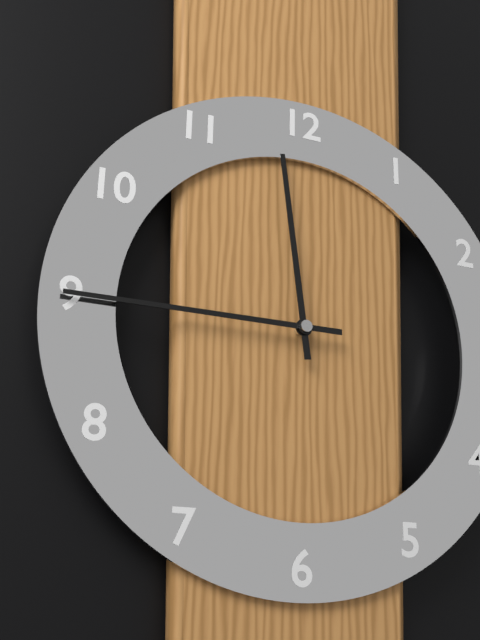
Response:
h=11 m=45
